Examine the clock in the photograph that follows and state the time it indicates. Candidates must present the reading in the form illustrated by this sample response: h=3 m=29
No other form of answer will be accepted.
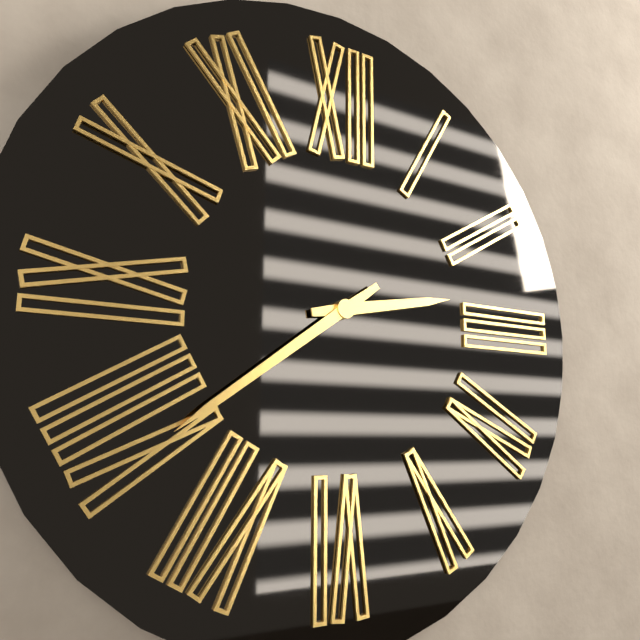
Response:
h=2 m=39
